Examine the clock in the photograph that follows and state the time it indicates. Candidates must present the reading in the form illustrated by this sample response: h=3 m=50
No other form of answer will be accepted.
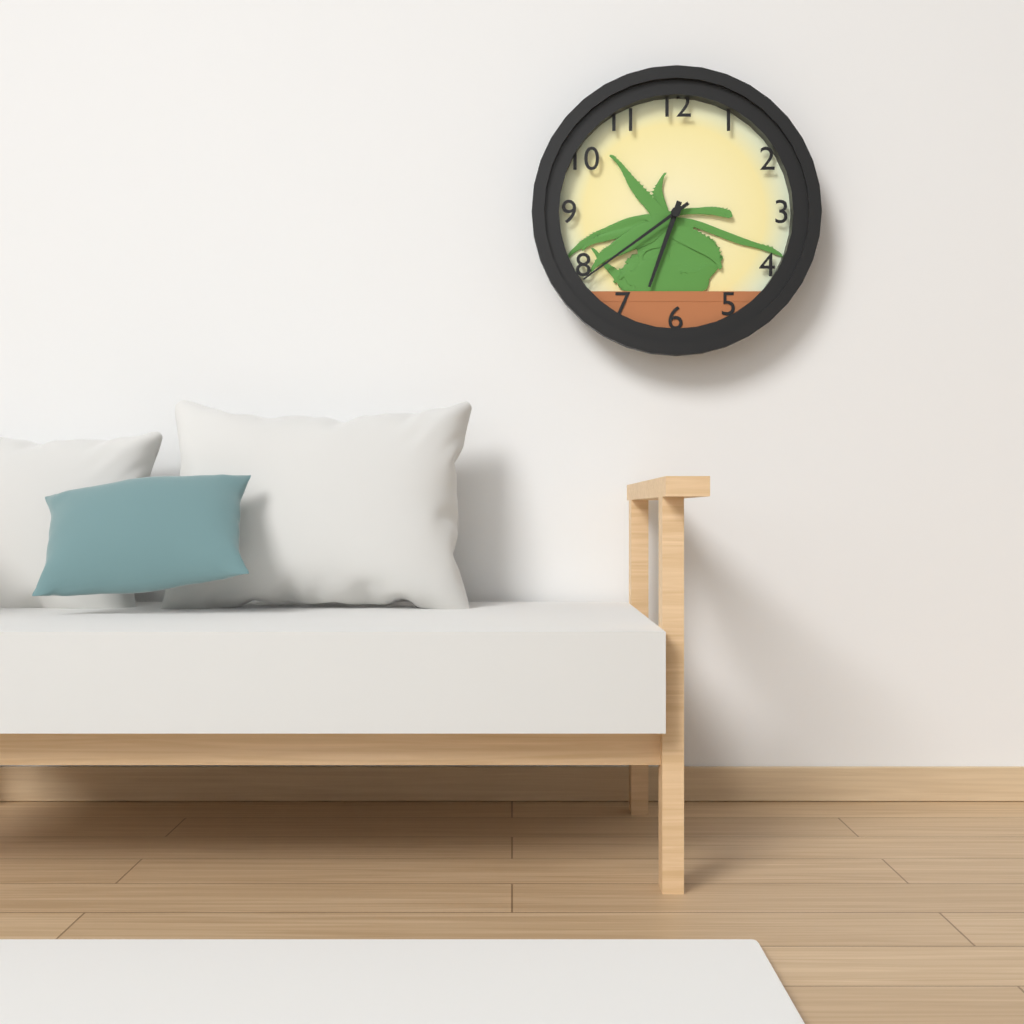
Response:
h=6 m=39
